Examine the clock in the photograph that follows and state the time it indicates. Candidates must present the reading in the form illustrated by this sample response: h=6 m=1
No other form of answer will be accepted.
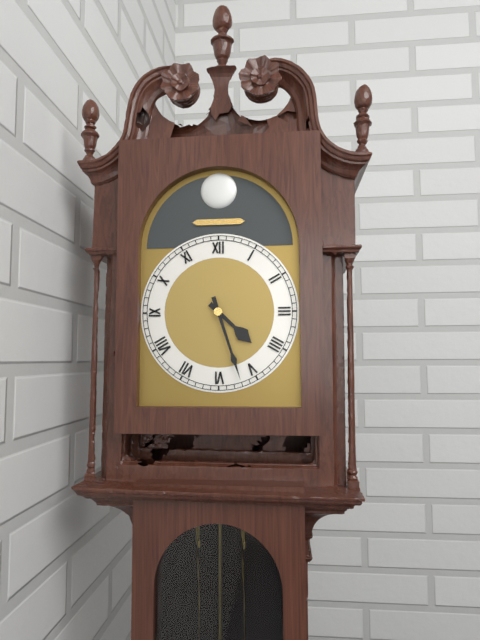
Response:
h=4 m=27
